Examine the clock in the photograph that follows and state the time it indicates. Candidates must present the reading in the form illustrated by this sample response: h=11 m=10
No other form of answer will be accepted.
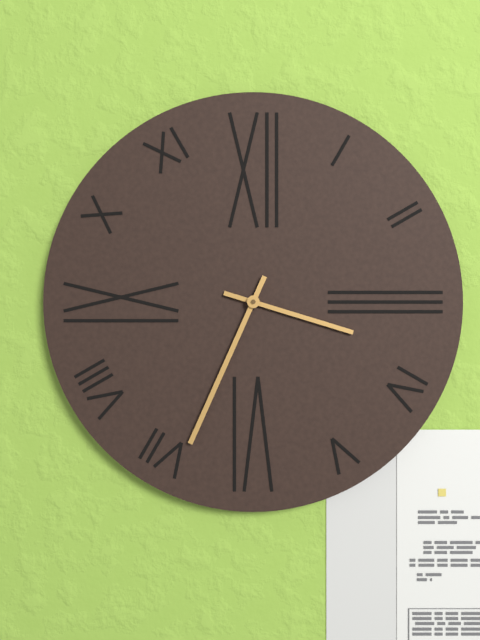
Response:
h=3 m=34
